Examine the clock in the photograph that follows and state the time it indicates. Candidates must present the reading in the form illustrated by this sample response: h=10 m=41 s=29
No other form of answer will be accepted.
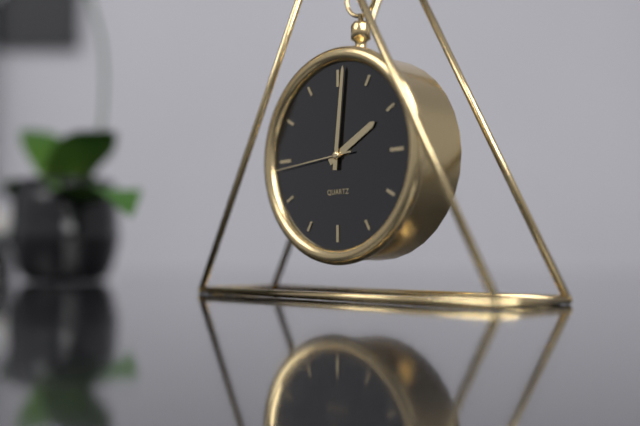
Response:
h=2 m=1 s=44
